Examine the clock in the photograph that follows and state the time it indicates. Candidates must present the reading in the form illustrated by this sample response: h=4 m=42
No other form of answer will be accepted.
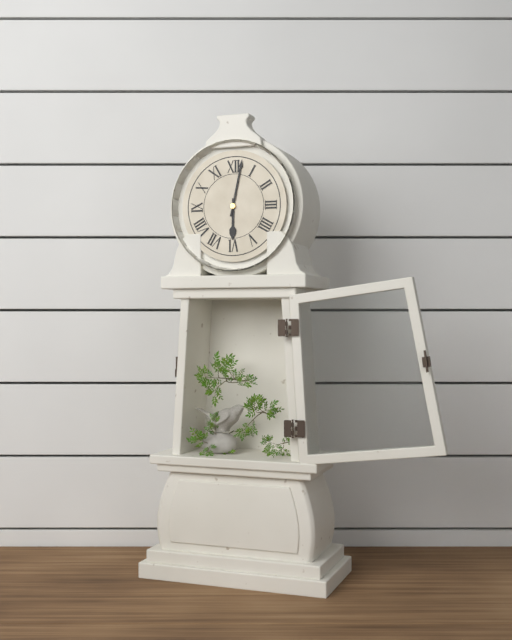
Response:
h=6 m=2
